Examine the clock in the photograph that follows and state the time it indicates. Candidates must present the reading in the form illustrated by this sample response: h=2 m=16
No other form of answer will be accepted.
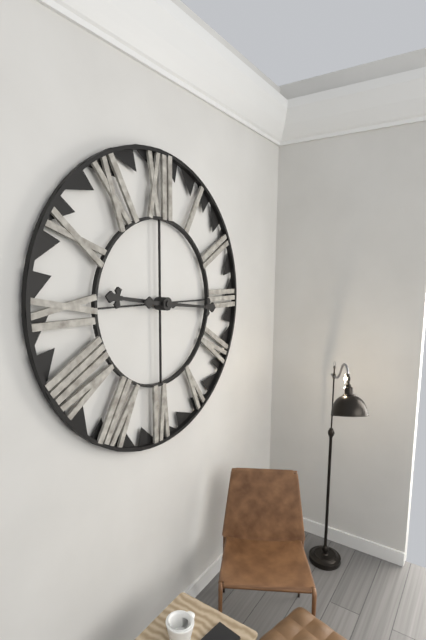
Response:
h=9 m=16
